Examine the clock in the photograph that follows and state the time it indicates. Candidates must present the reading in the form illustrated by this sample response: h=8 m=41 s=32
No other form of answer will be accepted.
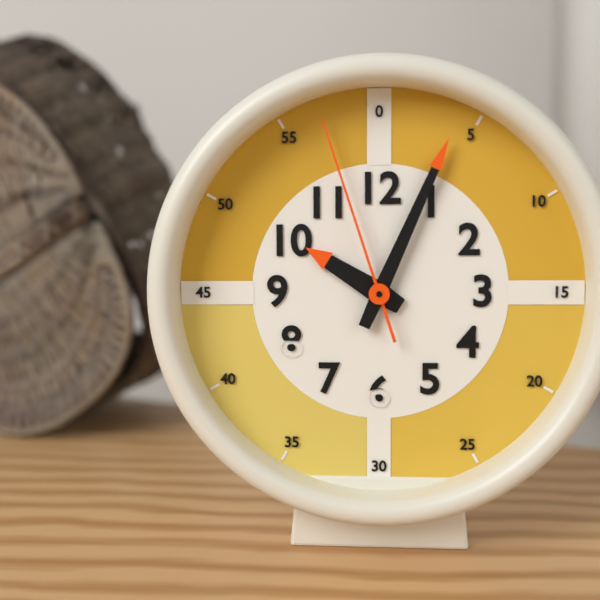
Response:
h=10 m=4 s=57
